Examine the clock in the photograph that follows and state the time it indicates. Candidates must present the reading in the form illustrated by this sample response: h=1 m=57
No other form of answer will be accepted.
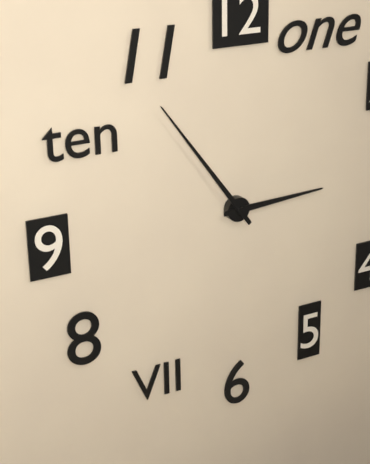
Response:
h=2 m=54
